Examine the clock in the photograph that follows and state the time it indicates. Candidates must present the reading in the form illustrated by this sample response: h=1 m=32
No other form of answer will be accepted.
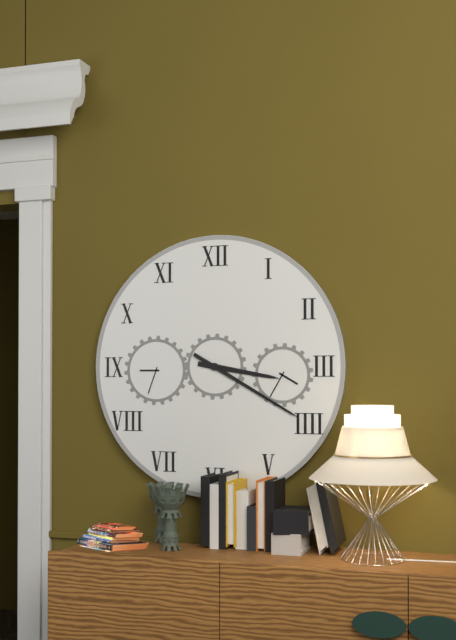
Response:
h=3 m=20
